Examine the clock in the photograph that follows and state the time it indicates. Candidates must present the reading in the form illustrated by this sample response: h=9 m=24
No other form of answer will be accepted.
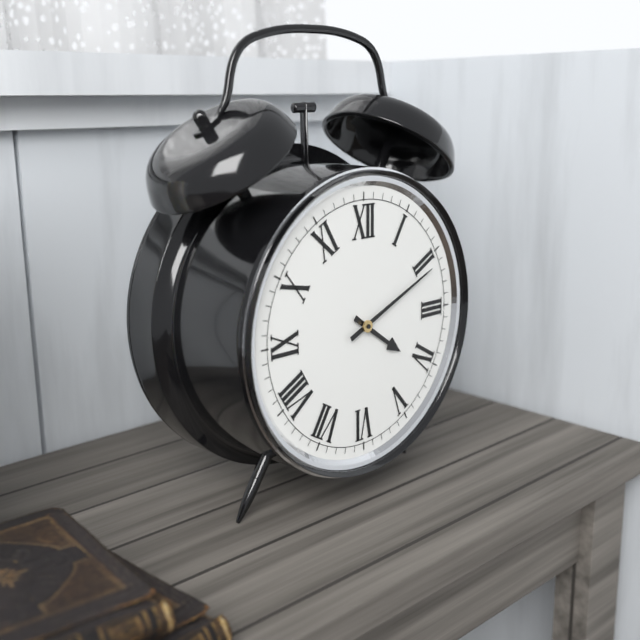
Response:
h=4 m=11
